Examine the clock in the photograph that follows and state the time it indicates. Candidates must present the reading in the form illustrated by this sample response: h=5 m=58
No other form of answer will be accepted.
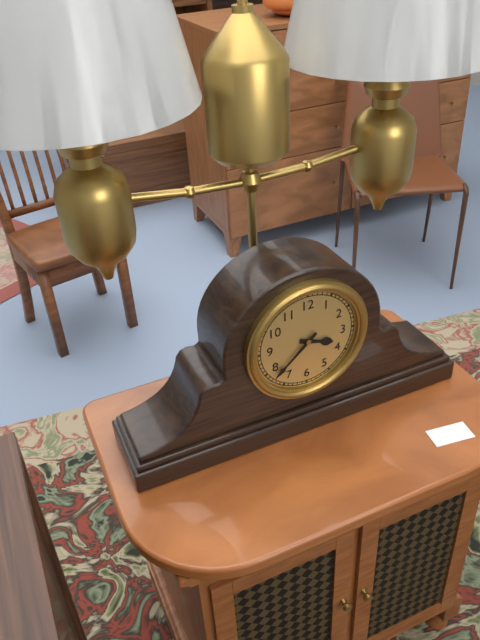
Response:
h=3 m=38
